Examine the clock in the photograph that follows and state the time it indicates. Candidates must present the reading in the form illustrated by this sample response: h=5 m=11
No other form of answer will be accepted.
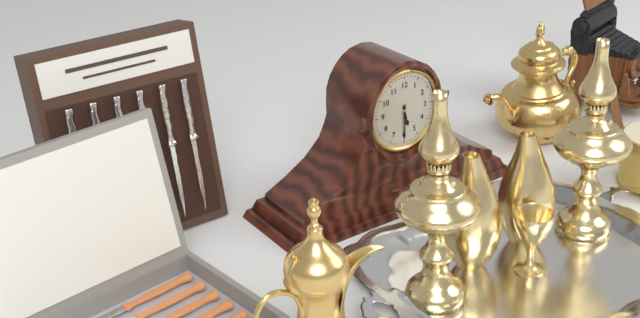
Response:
h=5 m=30
